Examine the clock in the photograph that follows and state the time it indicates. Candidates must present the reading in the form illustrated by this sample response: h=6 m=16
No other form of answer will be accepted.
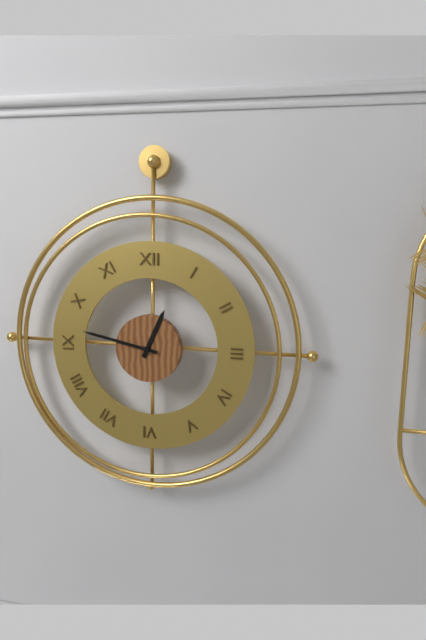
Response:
h=12 m=47
